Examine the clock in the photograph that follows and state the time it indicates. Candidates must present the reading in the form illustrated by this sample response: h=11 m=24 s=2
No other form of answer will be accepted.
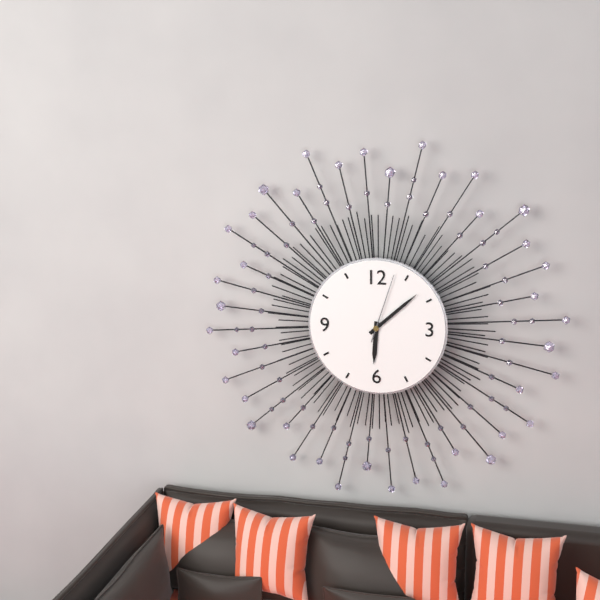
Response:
h=6 m=8 s=3
